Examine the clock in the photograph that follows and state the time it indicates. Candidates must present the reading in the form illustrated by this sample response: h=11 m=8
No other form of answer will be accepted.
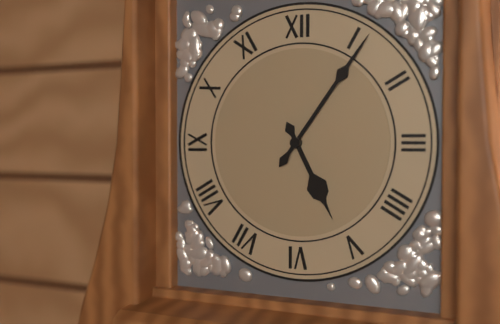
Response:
h=5 m=6
